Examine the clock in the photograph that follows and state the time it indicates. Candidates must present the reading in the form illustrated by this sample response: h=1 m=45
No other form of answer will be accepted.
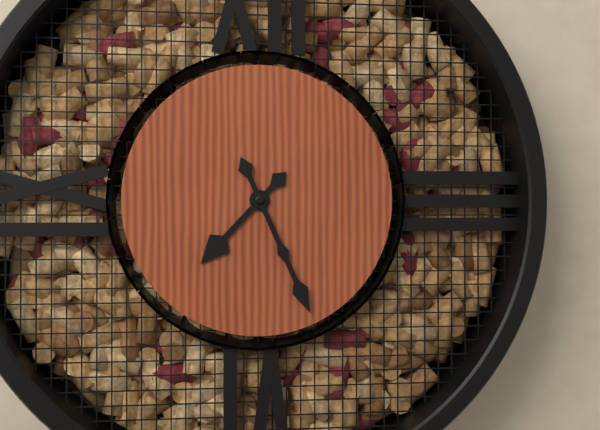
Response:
h=7 m=26
